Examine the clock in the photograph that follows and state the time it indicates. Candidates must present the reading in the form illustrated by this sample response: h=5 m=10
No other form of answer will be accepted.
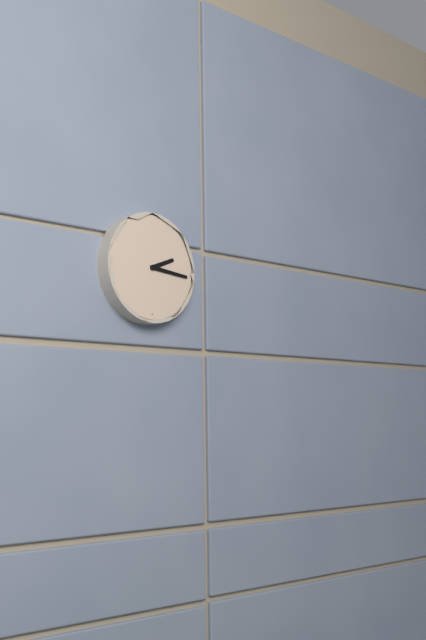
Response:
h=2 m=16
